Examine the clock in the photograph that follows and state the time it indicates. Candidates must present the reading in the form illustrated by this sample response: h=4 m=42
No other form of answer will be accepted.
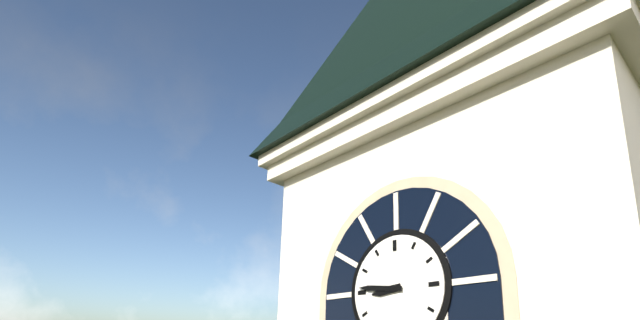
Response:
h=8 m=46
